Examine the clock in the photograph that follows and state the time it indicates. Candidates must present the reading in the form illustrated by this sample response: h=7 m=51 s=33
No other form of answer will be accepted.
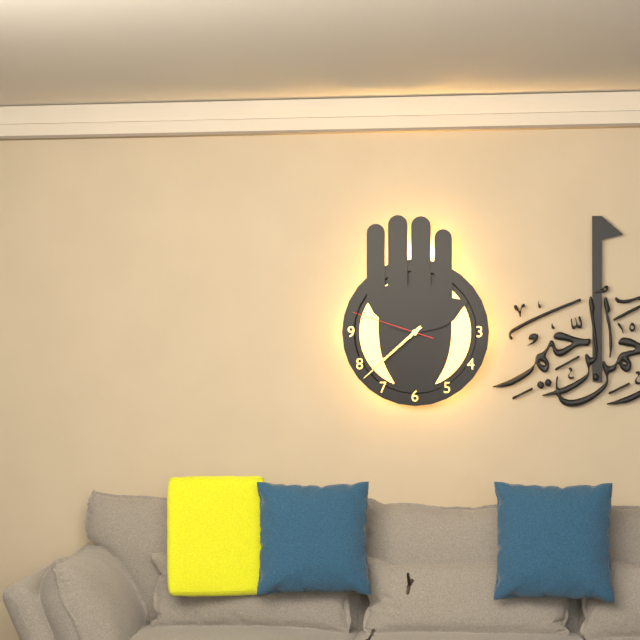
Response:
h=7 m=38 s=48
